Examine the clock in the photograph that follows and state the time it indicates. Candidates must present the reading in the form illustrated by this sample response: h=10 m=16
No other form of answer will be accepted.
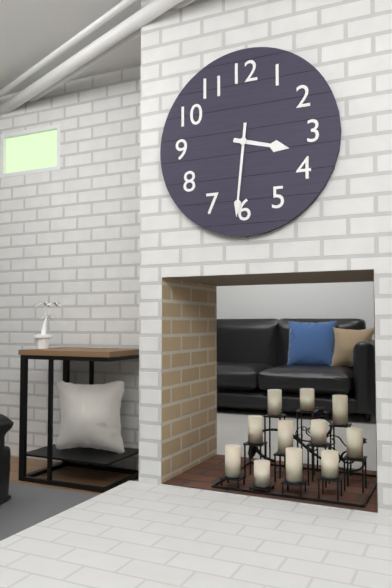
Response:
h=3 m=31
